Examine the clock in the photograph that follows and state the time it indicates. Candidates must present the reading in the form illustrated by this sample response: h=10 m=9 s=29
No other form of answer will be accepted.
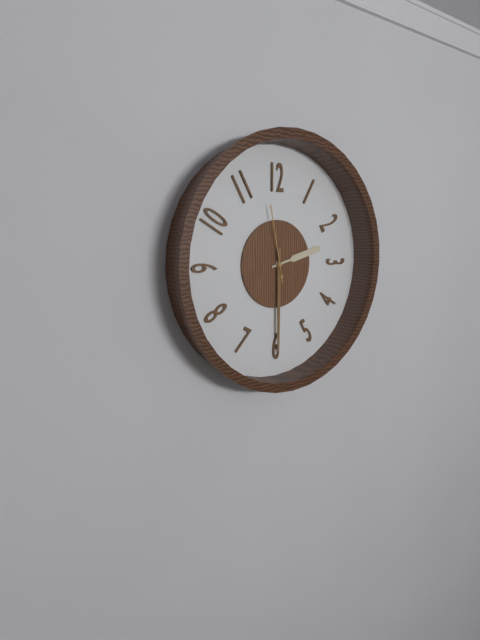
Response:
h=2 m=30 s=58
